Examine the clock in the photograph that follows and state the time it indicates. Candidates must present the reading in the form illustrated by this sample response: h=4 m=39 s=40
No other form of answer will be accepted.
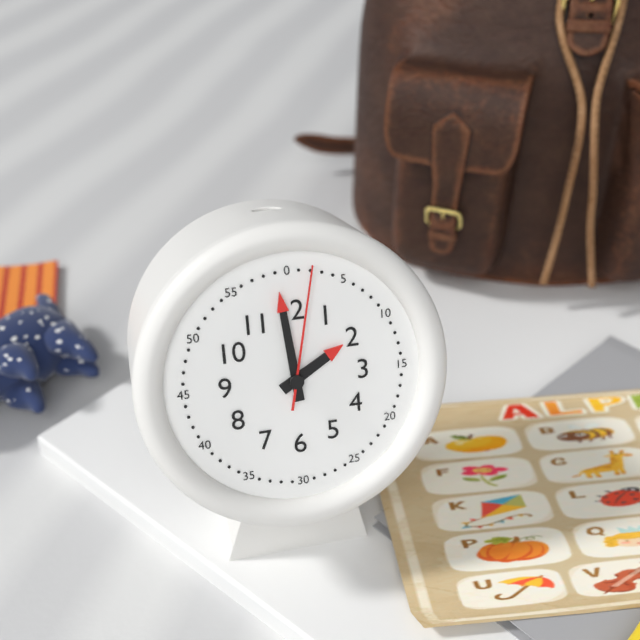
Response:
h=1 m=59 s=2
